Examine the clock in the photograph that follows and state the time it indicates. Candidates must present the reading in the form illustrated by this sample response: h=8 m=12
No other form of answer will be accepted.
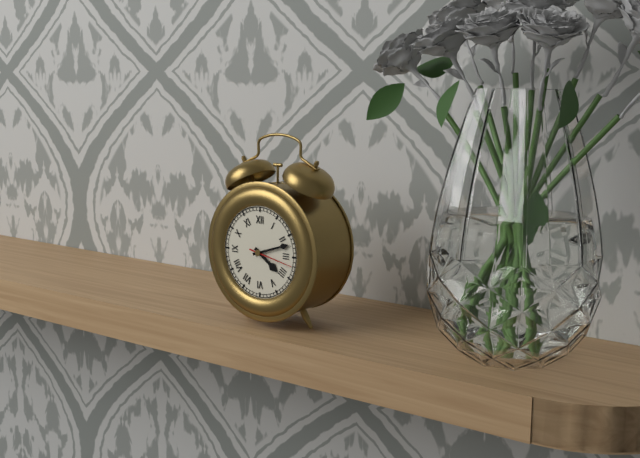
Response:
h=4 m=12
